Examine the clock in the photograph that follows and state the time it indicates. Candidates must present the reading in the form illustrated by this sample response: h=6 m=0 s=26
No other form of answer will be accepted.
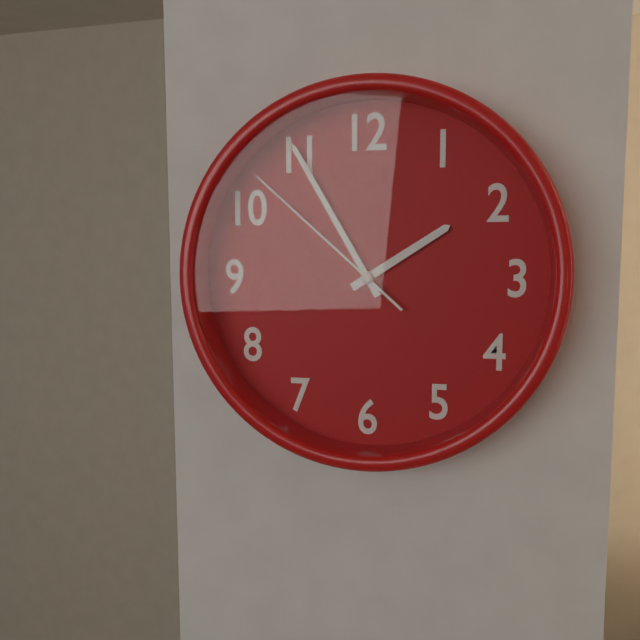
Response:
h=1 m=55 s=52
